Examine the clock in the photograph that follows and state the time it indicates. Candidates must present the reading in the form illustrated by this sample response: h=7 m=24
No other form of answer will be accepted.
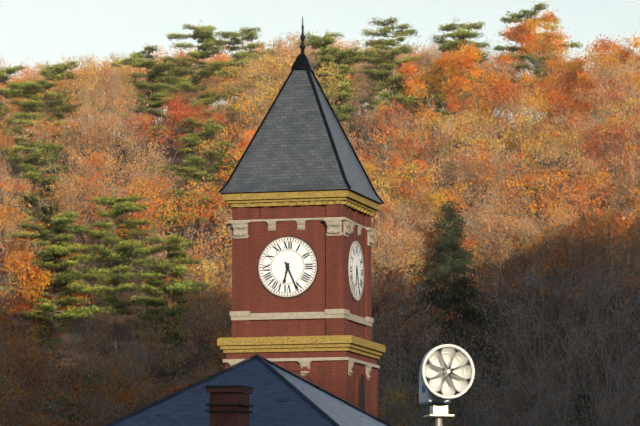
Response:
h=6 m=26
